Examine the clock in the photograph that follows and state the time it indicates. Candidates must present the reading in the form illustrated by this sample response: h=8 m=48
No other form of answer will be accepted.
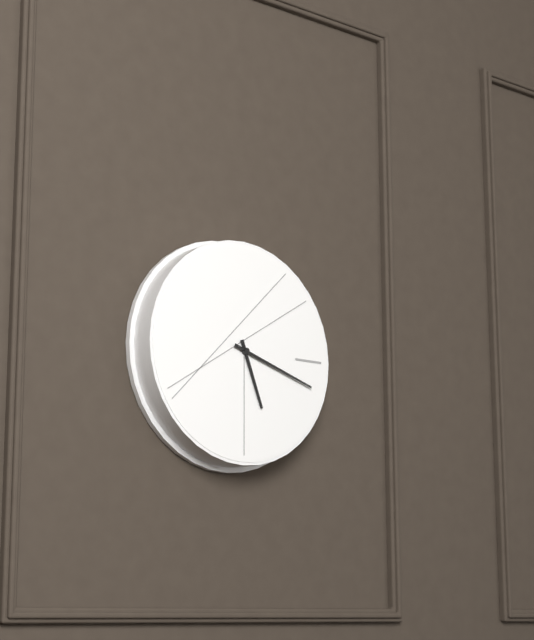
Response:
h=5 m=18
